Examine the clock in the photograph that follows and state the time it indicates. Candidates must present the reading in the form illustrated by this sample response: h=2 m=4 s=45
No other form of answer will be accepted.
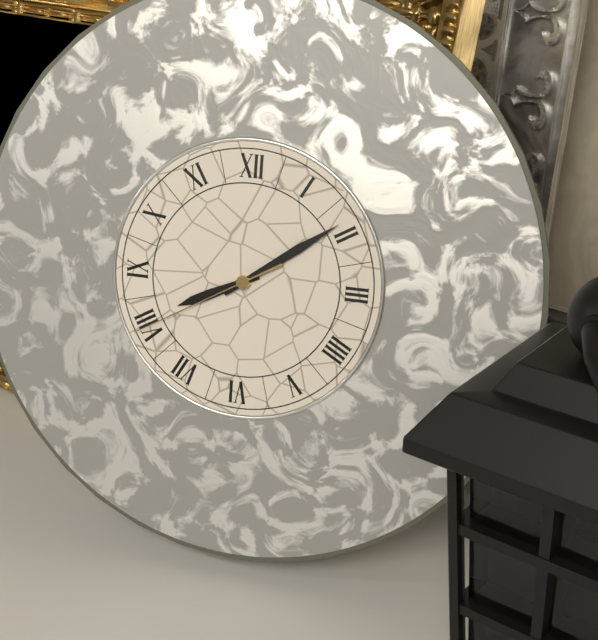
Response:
h=8 m=9 s=40
